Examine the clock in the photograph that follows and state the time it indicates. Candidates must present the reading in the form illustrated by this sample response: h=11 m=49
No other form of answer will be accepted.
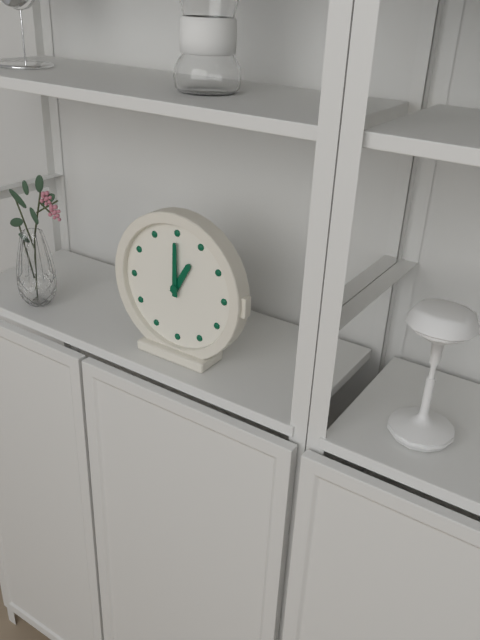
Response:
h=1 m=0
